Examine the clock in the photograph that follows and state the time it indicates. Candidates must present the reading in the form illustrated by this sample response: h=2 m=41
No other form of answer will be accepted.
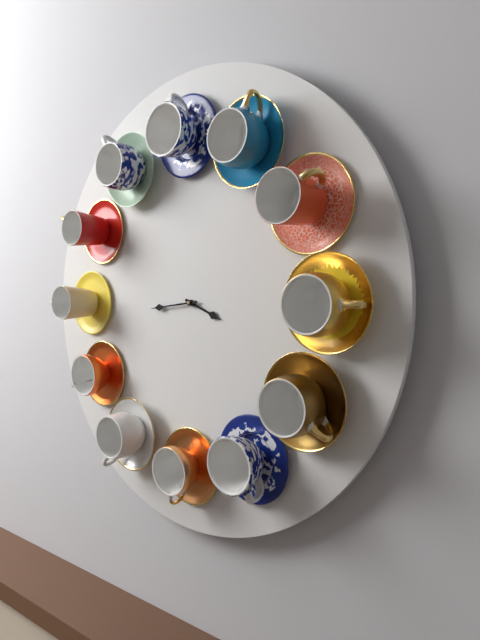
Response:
h=3 m=44
